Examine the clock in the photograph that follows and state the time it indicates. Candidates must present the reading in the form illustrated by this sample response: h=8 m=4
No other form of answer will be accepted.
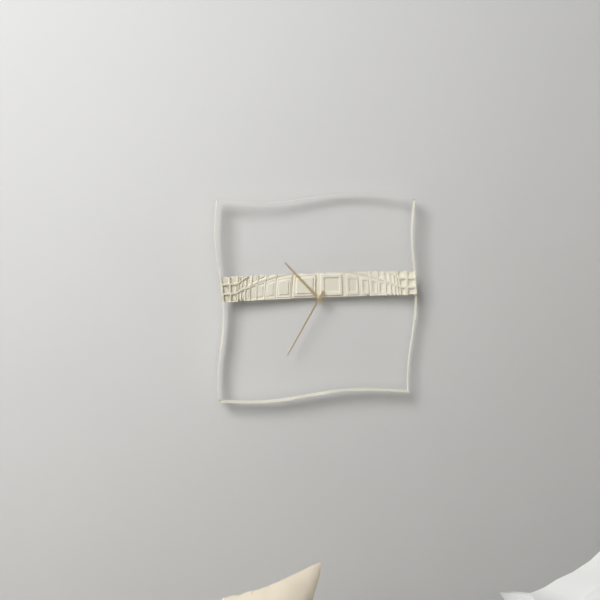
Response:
h=10 m=35
